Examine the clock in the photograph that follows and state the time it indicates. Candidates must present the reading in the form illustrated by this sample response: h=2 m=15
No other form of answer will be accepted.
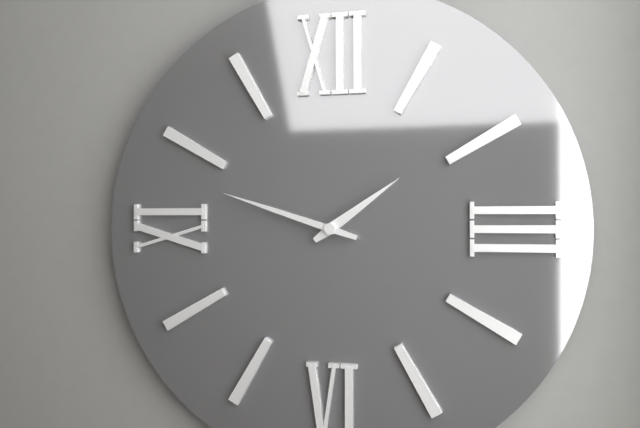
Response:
h=1 m=48
